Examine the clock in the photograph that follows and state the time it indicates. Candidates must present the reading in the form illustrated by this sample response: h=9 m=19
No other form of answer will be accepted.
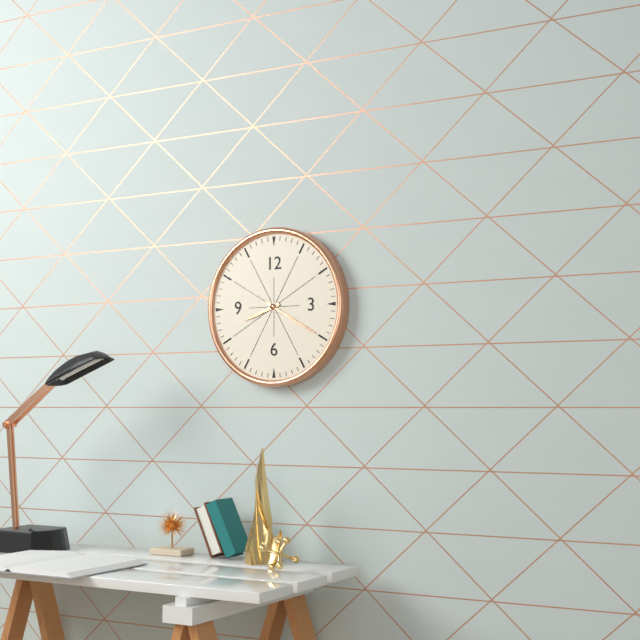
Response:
h=8 m=20
